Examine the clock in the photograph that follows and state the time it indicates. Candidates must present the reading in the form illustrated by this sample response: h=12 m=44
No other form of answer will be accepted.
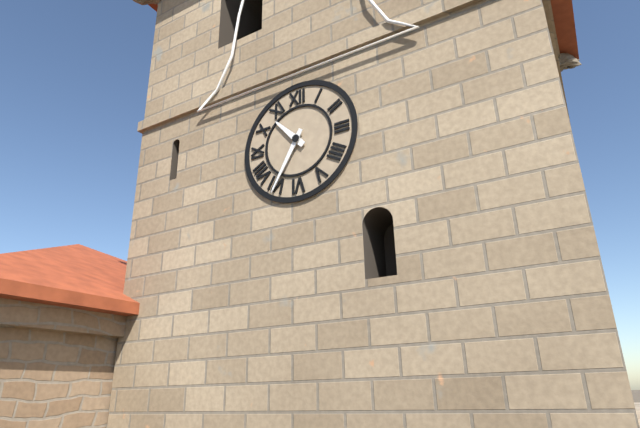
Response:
h=10 m=35
